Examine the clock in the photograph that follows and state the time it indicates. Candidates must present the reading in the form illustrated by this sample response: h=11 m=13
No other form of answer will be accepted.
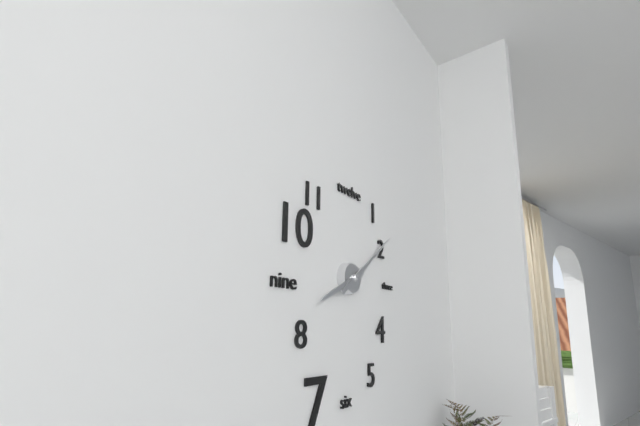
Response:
h=8 m=9
